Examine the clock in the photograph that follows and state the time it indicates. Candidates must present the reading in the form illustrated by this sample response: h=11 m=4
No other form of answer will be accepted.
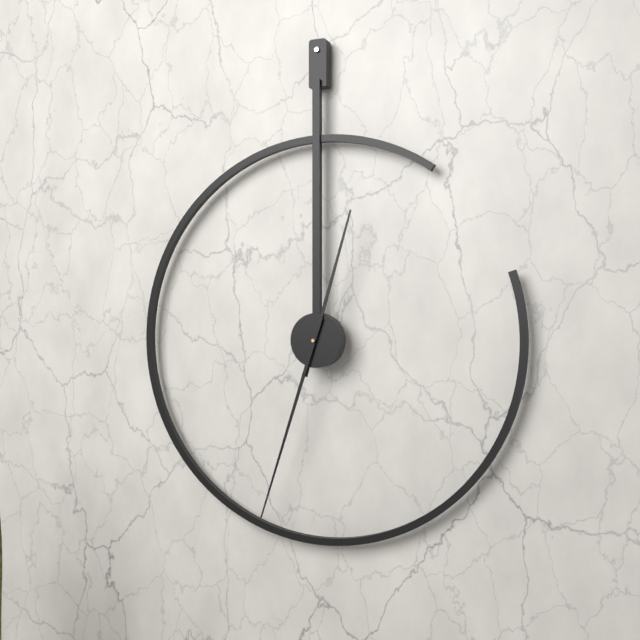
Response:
h=12 m=33
